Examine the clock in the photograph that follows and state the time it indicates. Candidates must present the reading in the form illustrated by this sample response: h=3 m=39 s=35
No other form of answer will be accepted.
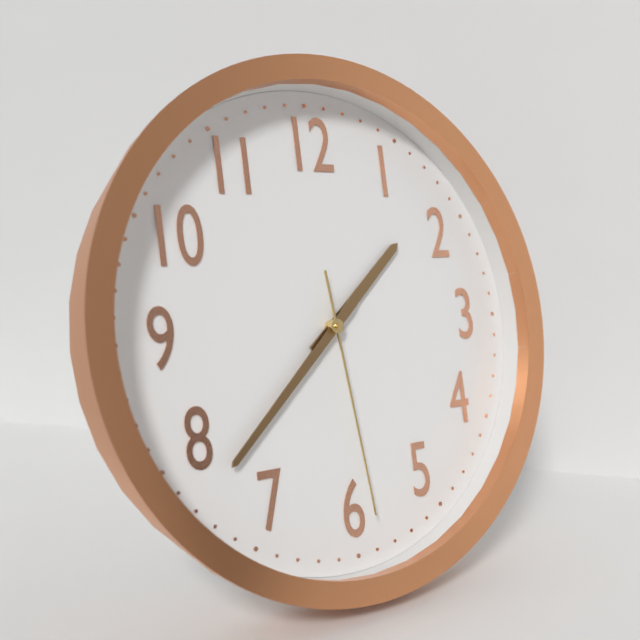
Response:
h=1 m=38 s=29
